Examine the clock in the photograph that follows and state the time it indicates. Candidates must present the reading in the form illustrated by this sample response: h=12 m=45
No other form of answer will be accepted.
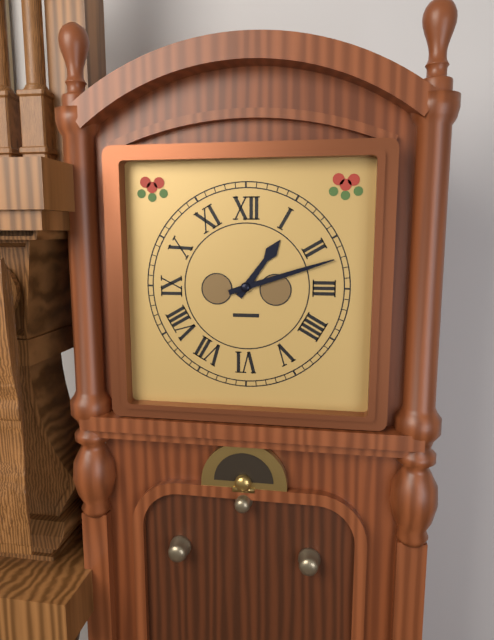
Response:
h=1 m=12
